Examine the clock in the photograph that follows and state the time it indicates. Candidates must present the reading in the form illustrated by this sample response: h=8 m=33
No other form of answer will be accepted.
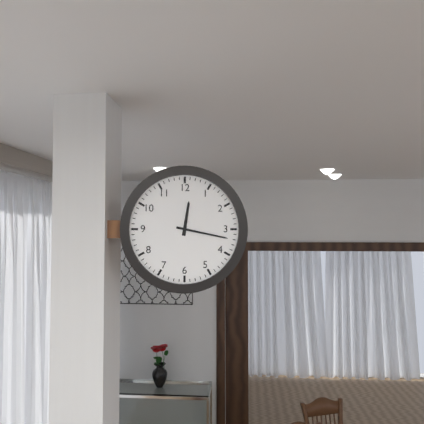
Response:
h=12 m=17
